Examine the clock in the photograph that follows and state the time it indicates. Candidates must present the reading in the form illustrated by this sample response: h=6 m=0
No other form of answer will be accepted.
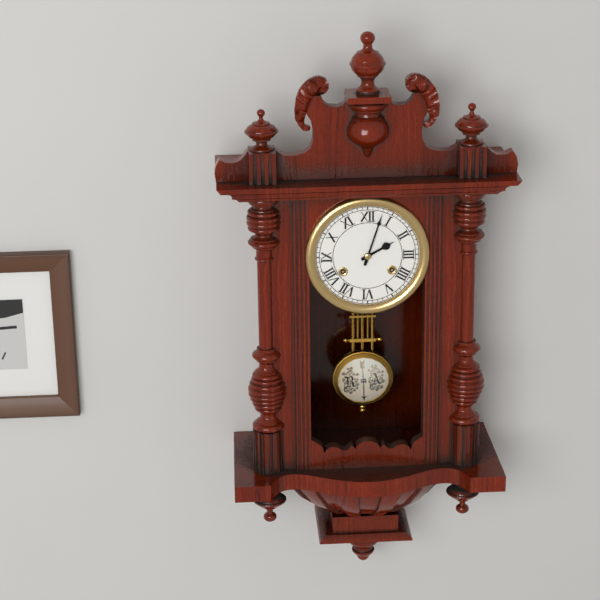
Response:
h=2 m=3
